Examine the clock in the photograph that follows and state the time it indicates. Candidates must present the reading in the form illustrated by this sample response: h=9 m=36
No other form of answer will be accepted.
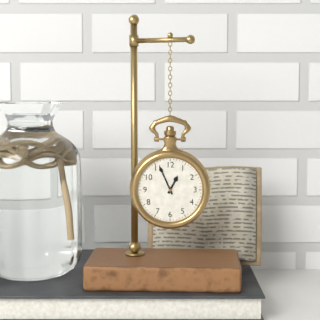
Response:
h=12 m=56
